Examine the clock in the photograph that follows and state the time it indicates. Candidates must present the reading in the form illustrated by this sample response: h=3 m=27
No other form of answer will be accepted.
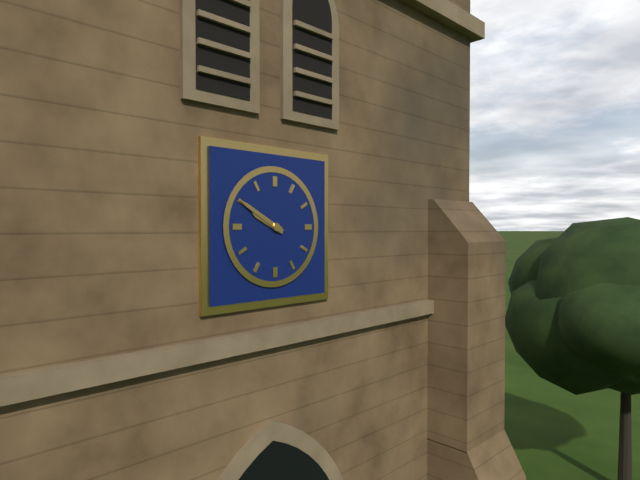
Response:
h=9 m=50
